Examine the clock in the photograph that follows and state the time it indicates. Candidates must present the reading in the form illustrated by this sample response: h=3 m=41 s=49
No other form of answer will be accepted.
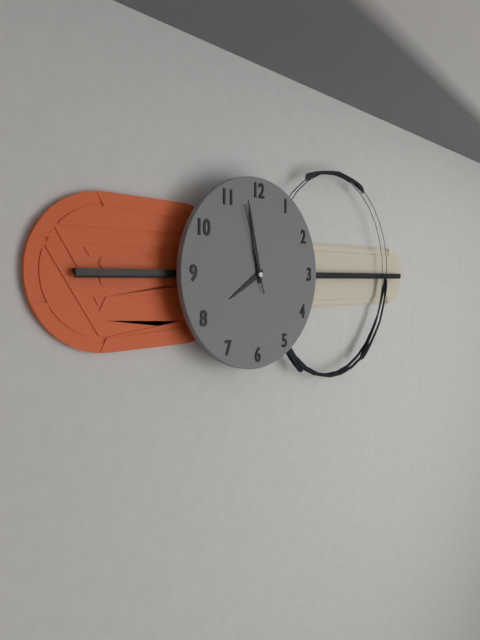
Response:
h=7 m=58 s=57
